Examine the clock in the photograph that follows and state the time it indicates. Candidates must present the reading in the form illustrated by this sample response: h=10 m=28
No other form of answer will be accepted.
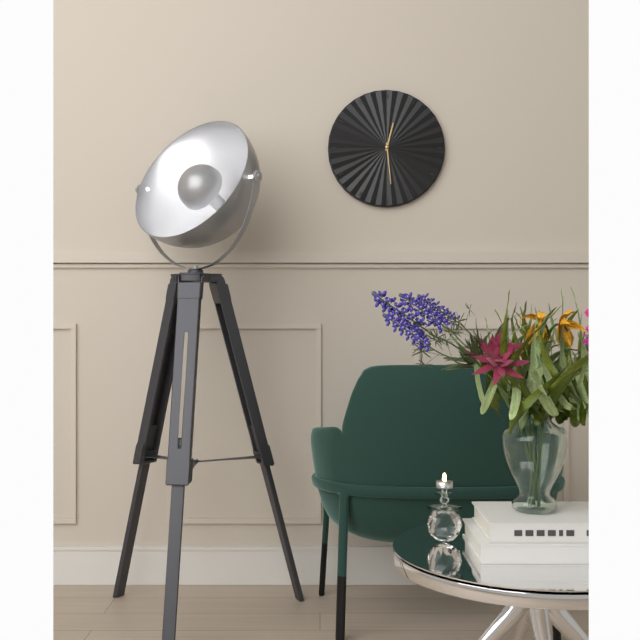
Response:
h=12 m=29
